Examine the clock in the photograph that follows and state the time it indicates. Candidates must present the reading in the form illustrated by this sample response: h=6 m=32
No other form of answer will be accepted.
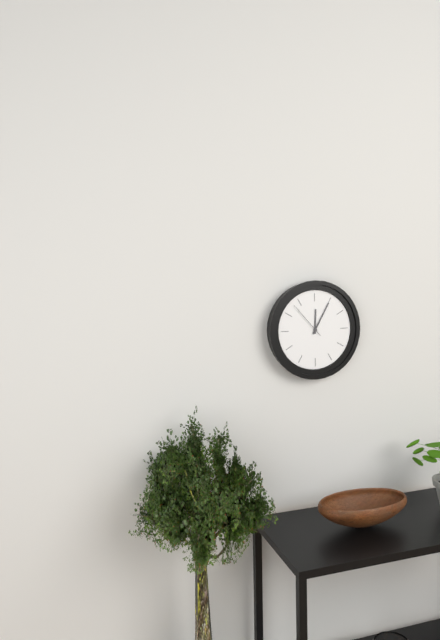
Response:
h=12 m=5
